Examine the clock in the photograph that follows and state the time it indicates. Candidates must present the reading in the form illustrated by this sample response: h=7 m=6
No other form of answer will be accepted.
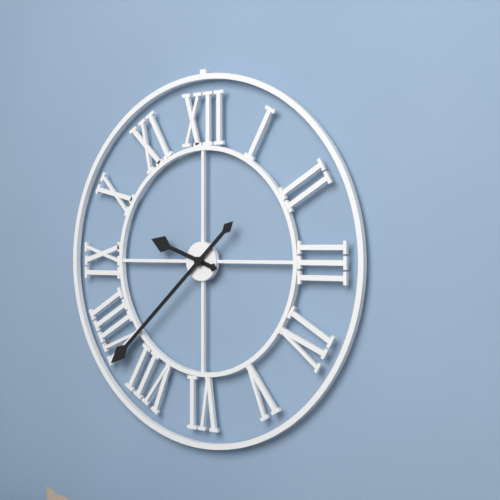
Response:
h=9 m=38
